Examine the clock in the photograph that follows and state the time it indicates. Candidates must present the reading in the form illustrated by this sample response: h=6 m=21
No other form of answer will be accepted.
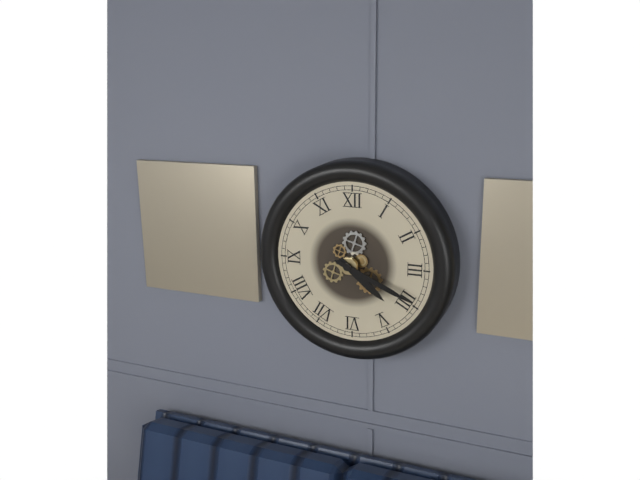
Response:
h=4 m=19
